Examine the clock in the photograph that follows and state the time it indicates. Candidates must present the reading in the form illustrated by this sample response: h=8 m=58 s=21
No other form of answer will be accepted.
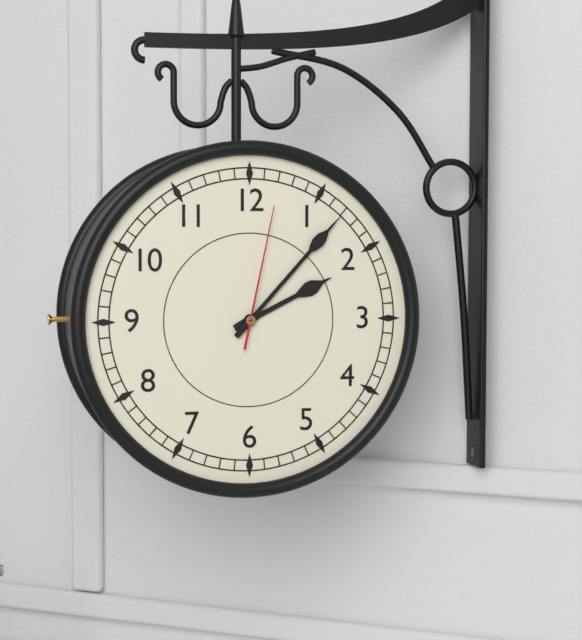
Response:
h=2 m=7 s=2
